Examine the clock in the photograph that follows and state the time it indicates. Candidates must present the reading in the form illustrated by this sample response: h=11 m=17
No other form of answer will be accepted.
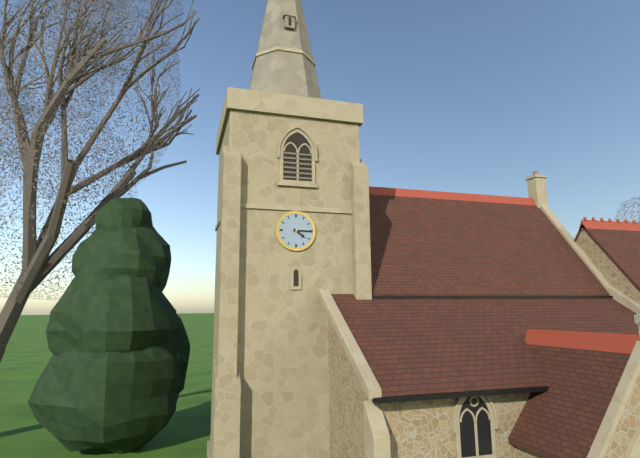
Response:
h=4 m=15
